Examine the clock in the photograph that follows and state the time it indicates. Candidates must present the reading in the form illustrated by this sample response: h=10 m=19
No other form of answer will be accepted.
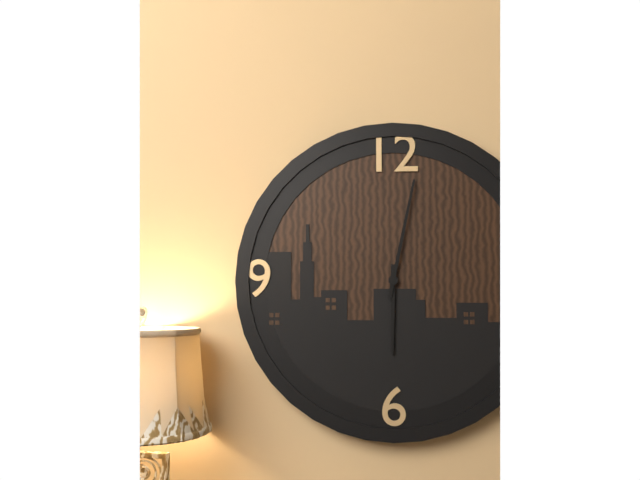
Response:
h=6 m=2
